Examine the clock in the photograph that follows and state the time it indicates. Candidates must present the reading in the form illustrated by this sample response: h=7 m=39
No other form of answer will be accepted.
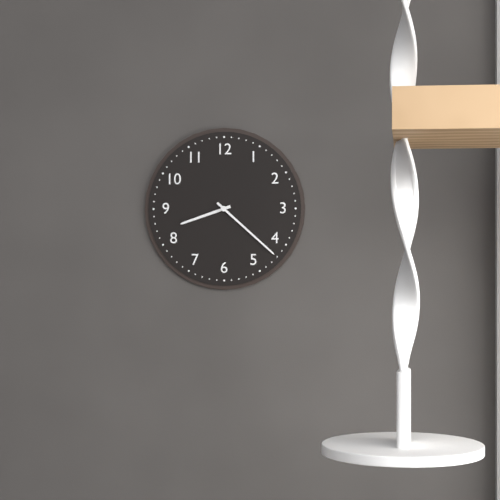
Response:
h=8 m=22
